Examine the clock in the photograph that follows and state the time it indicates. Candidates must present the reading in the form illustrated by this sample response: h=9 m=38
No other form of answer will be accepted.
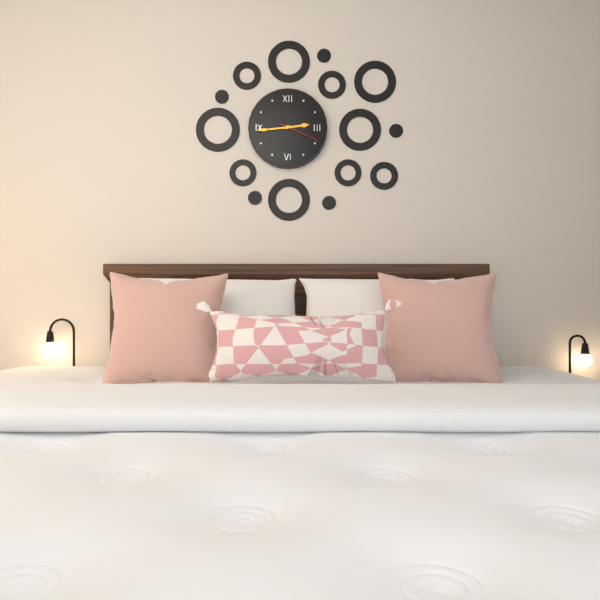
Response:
h=2 m=44
